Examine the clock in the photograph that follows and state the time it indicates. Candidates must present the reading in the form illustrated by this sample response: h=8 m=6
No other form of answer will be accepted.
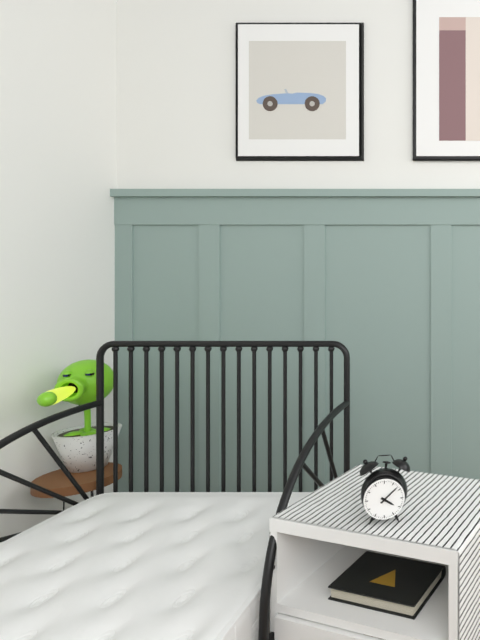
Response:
h=4 m=8
